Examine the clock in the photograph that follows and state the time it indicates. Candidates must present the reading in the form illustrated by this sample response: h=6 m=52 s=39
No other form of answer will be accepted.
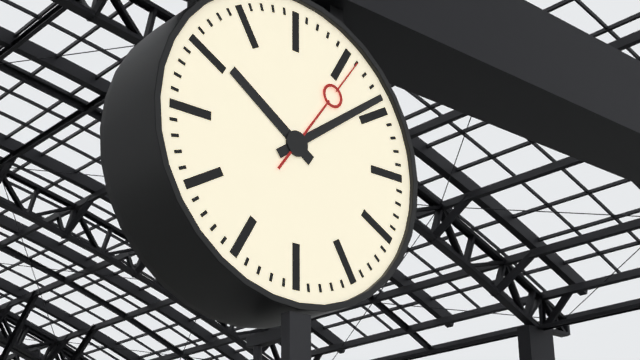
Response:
h=10 m=9 s=6
